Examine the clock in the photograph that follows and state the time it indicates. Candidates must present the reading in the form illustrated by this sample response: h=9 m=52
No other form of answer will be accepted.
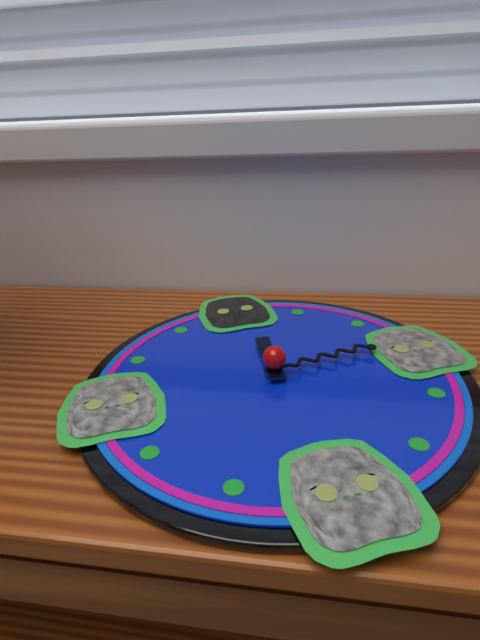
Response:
h=12 m=14
